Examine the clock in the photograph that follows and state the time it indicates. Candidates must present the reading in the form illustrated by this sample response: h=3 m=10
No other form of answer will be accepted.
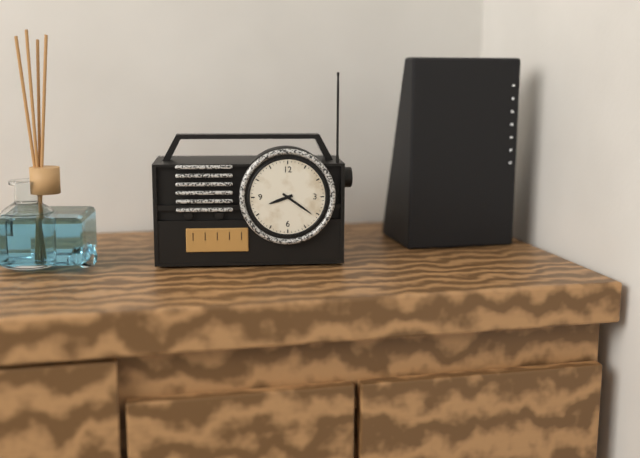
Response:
h=8 m=21
